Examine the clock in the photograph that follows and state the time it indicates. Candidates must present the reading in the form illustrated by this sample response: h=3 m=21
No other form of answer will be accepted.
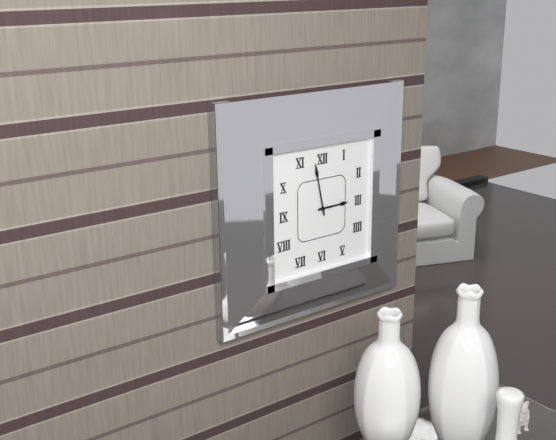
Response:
h=2 m=58
